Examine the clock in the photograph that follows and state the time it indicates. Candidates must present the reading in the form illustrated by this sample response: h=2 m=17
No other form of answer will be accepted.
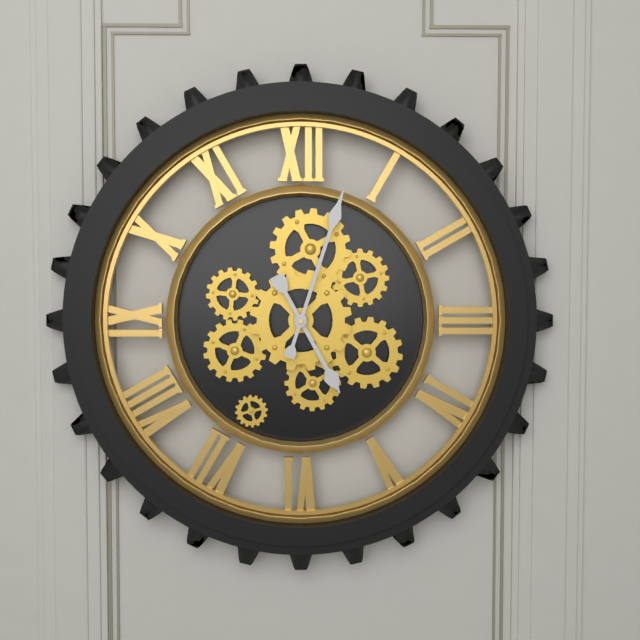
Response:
h=5 m=3
